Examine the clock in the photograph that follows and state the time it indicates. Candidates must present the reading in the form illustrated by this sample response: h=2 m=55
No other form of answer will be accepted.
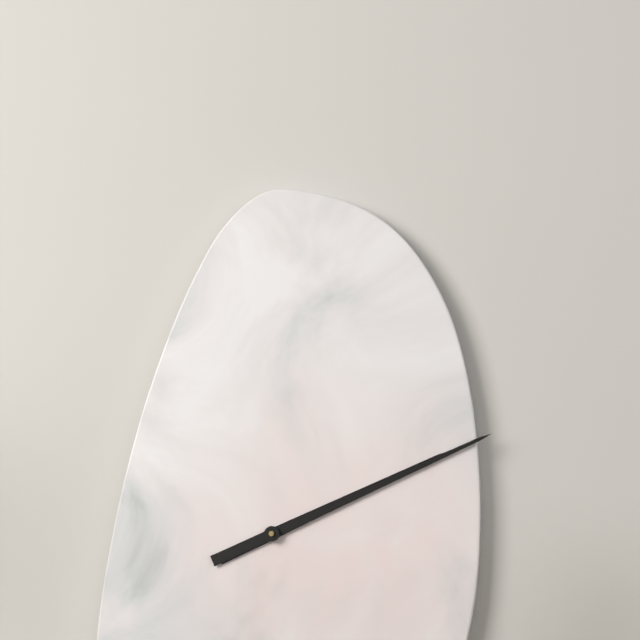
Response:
h=2 m=11
